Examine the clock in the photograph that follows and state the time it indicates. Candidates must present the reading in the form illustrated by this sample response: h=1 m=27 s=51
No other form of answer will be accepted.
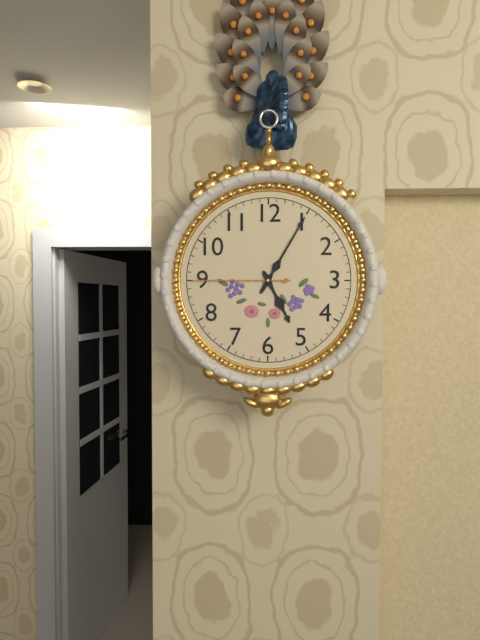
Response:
h=5 m=5 s=45
